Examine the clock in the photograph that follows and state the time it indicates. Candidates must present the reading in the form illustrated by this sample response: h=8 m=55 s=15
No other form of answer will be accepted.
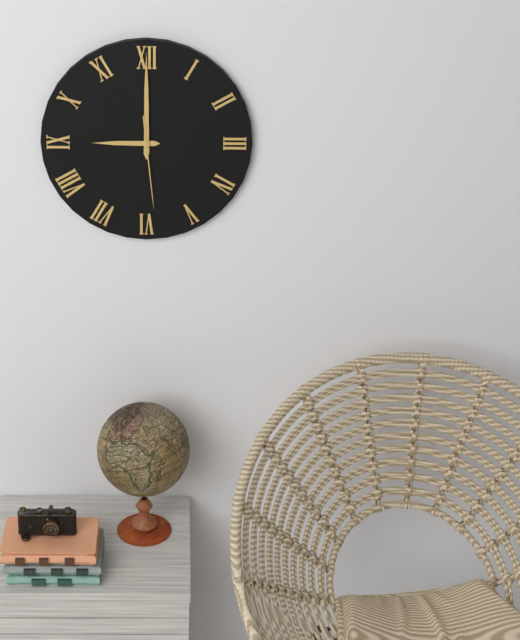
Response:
h=9 m=0 s=29
